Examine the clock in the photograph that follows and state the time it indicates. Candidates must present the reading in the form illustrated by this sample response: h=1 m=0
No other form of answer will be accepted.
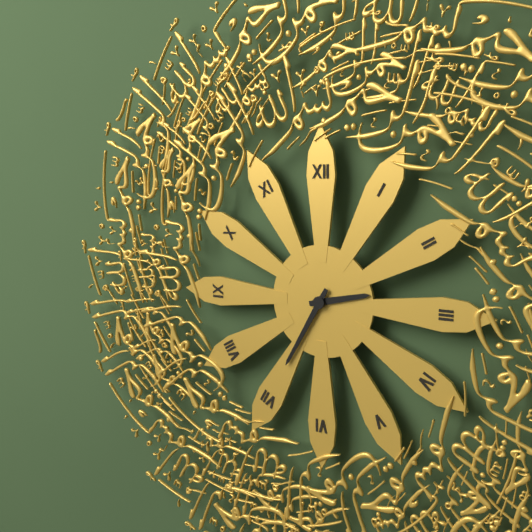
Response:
h=2 m=35
